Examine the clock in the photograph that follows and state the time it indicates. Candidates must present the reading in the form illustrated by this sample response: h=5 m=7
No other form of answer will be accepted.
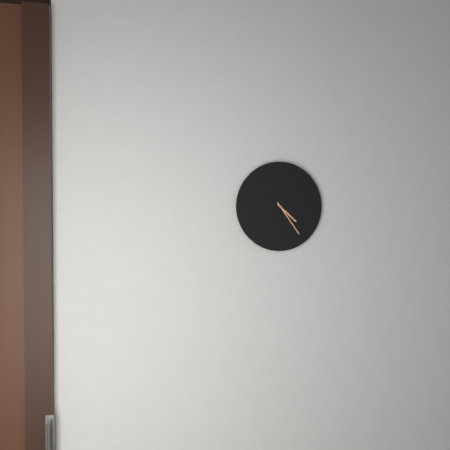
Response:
h=4 m=24
